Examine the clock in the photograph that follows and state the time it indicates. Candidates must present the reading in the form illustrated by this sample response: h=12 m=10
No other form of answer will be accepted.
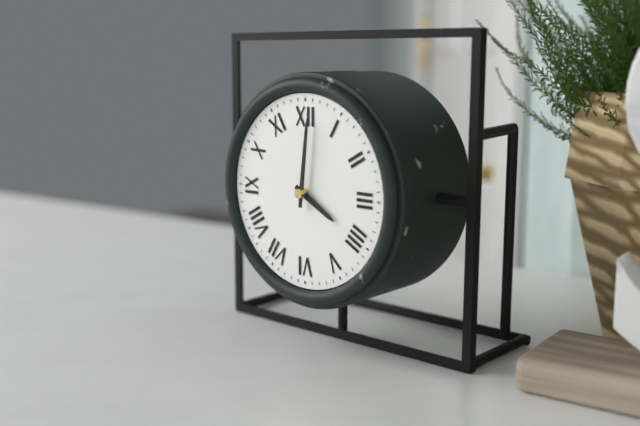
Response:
h=4 m=1
